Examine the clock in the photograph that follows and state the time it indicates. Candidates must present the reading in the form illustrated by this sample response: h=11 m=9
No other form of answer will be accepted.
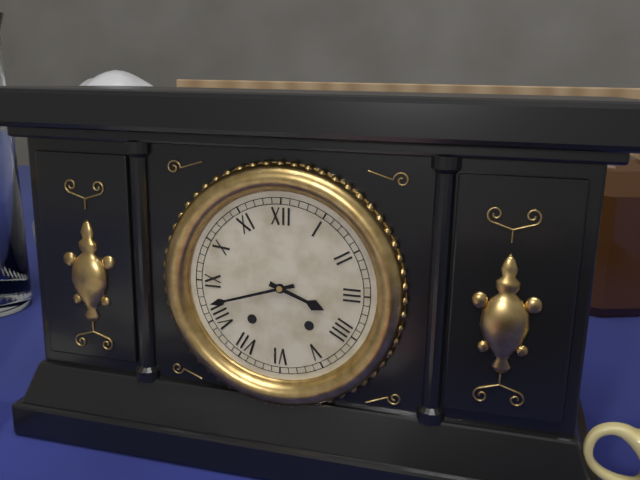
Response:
h=3 m=42
